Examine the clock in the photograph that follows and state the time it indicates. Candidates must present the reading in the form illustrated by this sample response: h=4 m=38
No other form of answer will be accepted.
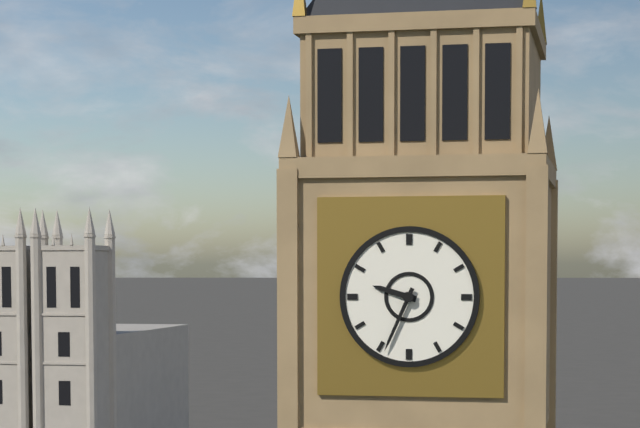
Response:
h=9 m=34
